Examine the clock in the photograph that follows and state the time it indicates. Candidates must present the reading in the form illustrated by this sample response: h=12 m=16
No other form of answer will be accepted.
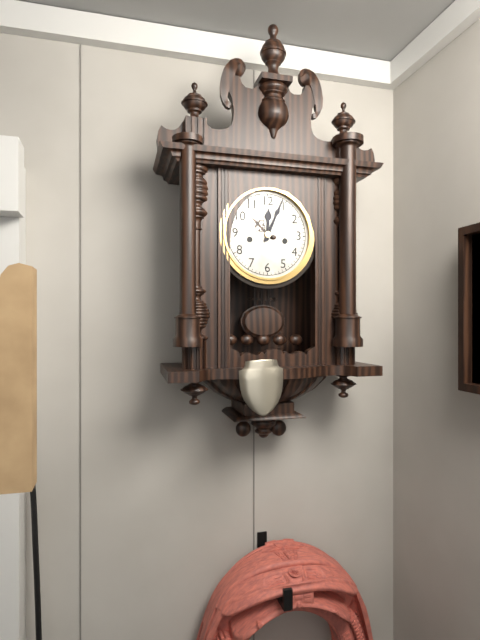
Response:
h=12 m=4
